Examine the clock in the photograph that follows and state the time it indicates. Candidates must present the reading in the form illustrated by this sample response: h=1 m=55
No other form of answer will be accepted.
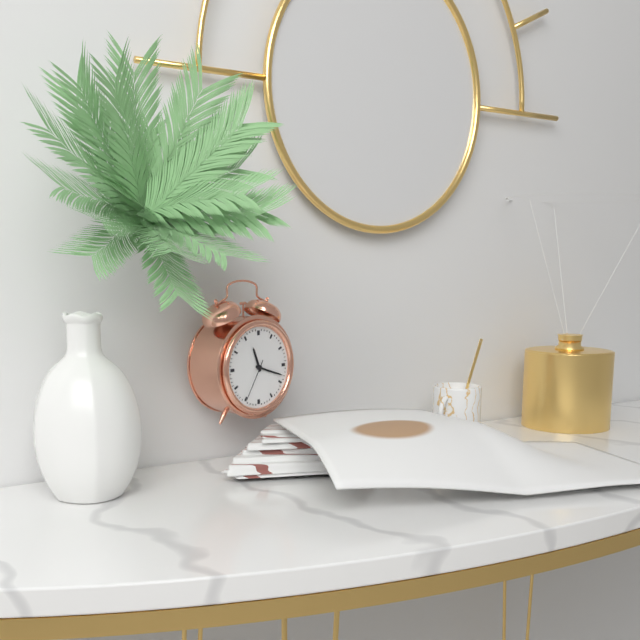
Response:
h=11 m=18
